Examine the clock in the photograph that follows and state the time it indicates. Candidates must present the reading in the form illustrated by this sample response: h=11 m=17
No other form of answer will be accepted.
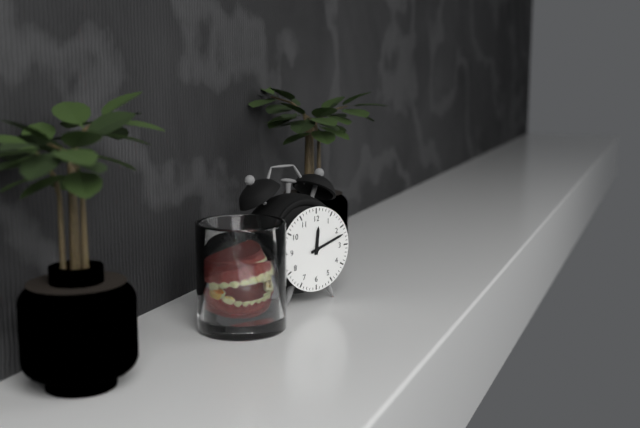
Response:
h=12 m=12
